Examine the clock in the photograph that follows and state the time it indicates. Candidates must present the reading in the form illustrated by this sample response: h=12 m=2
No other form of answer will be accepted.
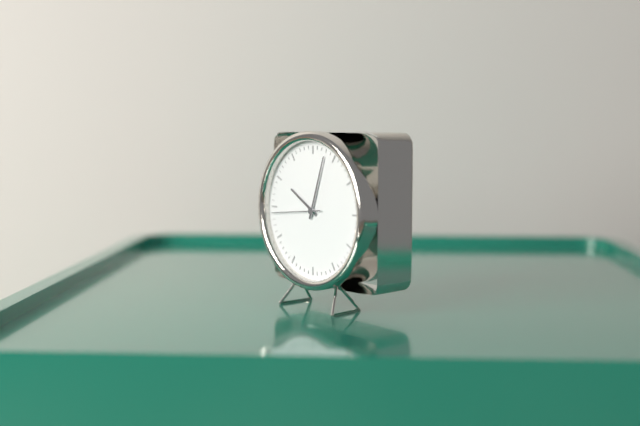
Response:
h=10 m=3
